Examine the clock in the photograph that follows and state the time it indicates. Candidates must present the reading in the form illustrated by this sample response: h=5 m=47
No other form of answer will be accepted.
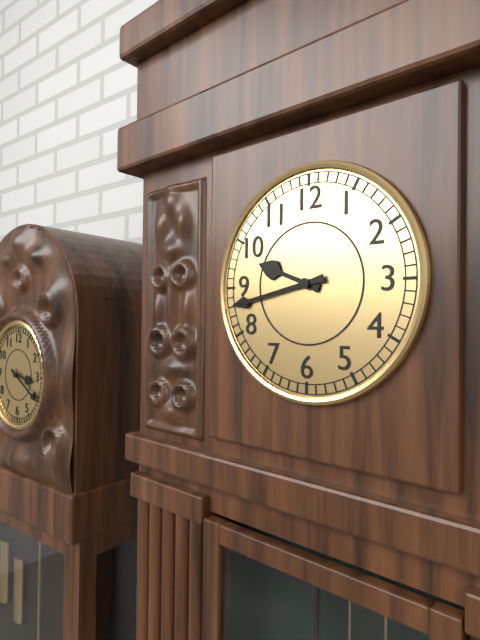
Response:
h=9 m=43
